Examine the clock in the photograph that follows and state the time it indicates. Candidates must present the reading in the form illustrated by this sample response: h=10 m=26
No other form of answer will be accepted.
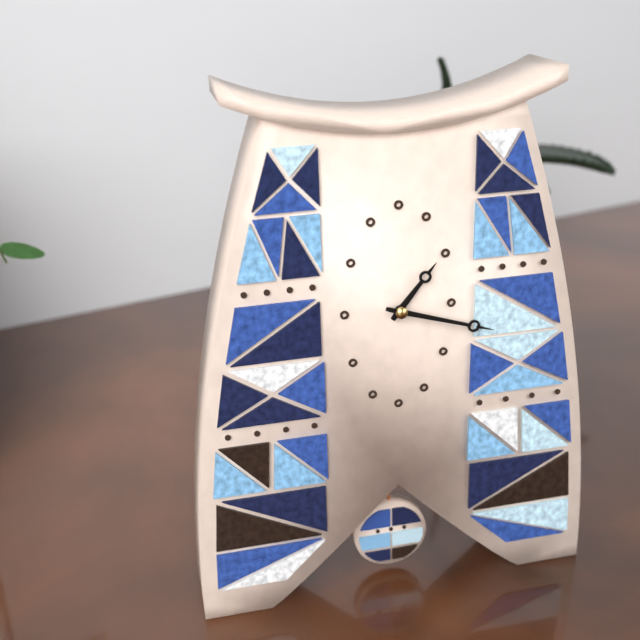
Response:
h=1 m=18
